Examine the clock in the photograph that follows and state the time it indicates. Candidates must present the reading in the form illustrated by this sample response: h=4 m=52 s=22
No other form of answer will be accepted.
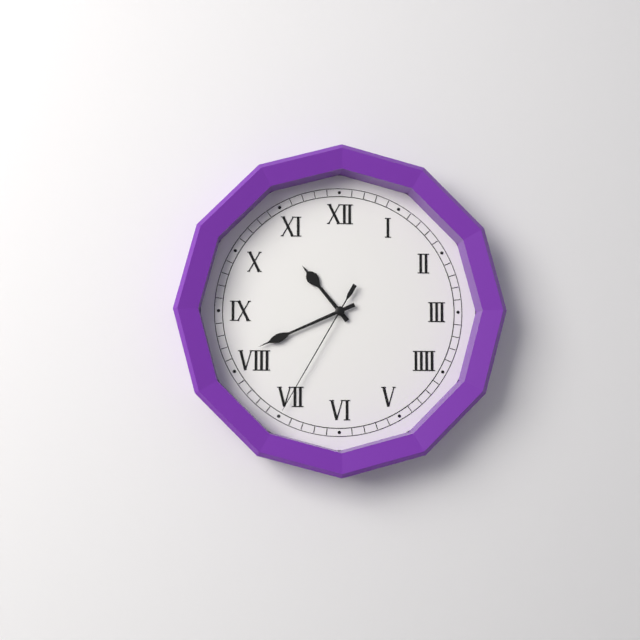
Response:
h=10 m=41 s=35
